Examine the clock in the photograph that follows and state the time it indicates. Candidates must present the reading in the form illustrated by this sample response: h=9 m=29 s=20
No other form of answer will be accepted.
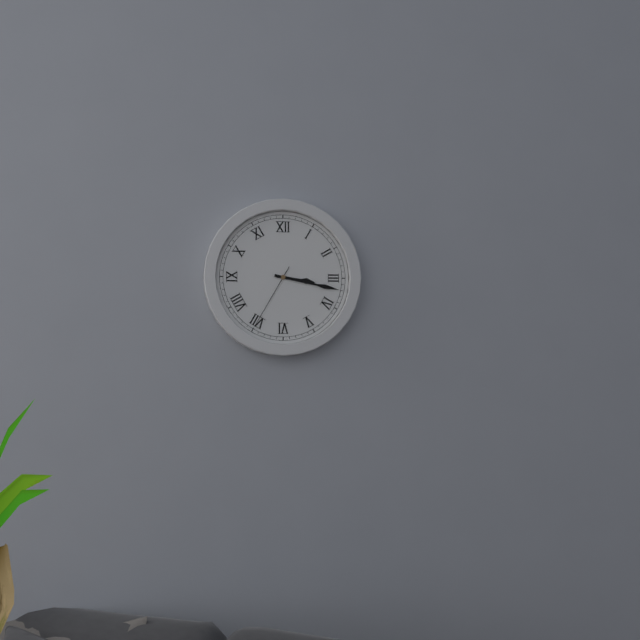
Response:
h=3 m=17 s=35
